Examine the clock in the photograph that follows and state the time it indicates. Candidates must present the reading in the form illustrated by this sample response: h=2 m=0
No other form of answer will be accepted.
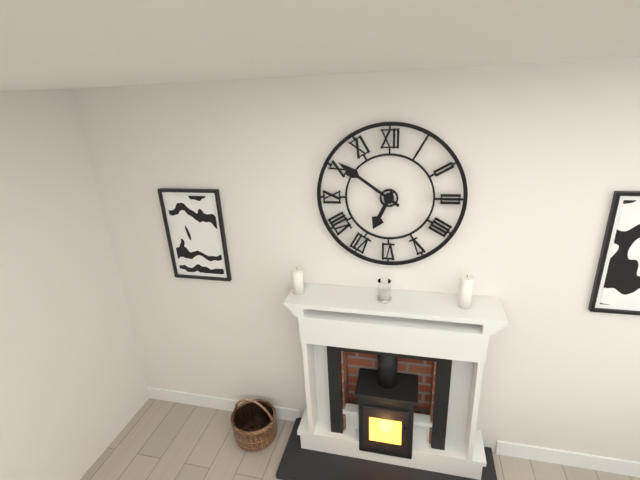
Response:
h=6 m=51
